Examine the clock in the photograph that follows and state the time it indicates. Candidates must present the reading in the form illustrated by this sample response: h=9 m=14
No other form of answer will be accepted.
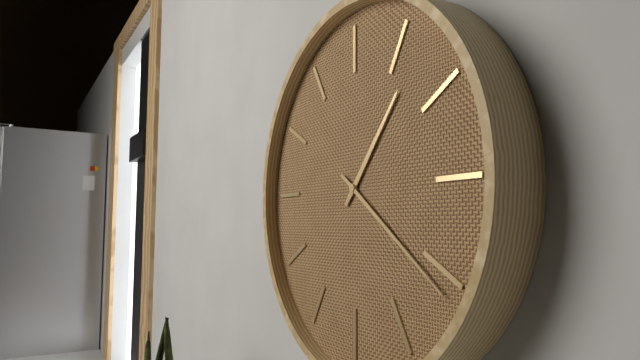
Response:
h=1 m=21
